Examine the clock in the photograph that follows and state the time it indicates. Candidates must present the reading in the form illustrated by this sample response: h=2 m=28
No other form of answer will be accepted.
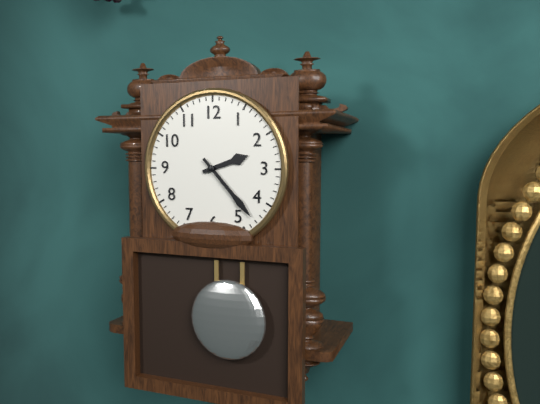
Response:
h=2 m=23
